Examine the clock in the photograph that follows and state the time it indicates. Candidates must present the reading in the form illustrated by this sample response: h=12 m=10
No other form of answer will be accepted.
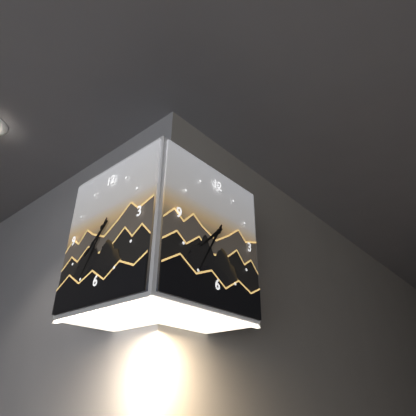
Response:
h=7 m=35
